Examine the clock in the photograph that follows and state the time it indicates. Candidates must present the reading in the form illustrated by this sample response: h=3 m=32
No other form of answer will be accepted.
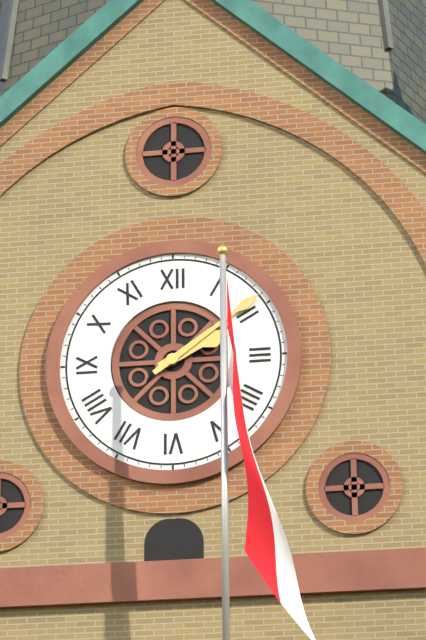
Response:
h=2 m=9
